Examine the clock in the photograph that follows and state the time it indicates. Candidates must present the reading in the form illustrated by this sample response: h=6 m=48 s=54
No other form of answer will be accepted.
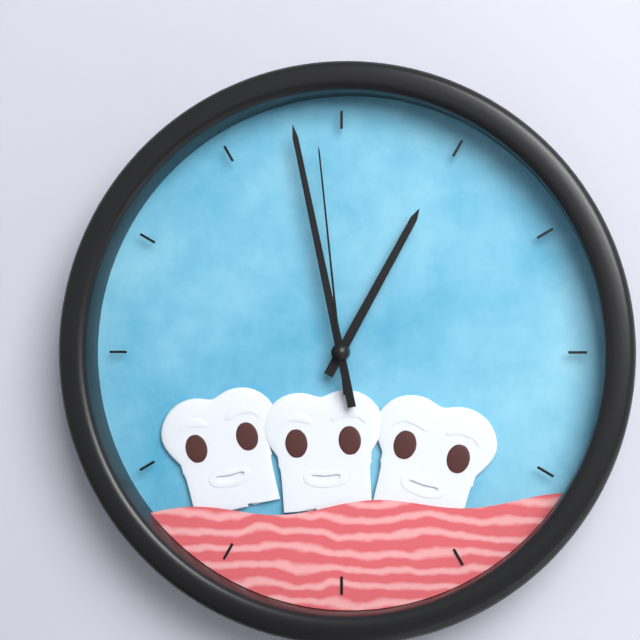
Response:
h=12 m=58 s=59
